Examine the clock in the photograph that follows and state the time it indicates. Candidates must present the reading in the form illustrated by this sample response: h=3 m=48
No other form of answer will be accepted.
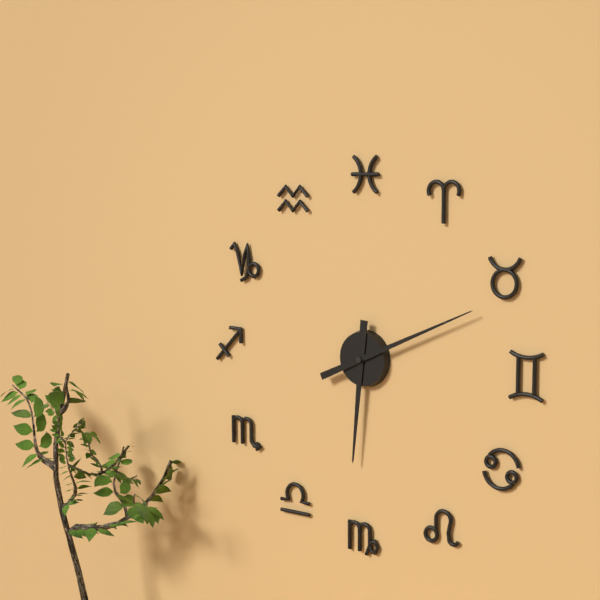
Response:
h=6 m=11
